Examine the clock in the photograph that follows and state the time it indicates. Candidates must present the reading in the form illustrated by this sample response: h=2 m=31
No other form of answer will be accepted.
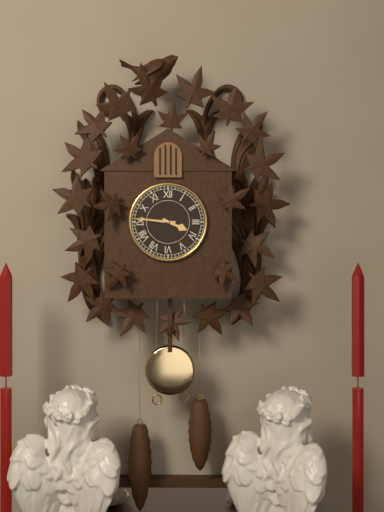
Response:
h=3 m=46
